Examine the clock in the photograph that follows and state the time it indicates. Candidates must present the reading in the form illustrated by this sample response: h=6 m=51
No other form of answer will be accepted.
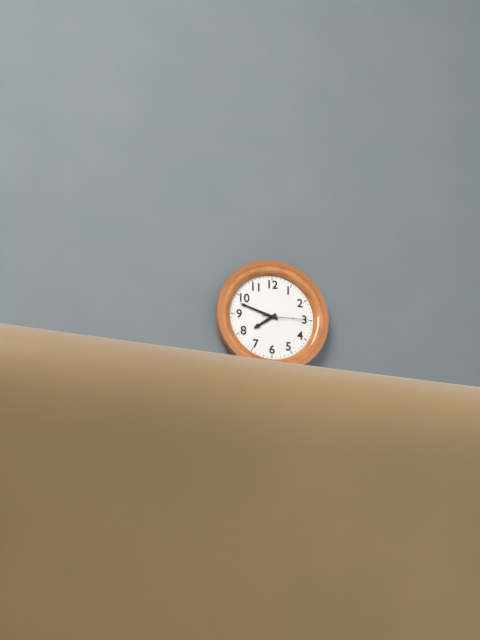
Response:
h=7 m=48
